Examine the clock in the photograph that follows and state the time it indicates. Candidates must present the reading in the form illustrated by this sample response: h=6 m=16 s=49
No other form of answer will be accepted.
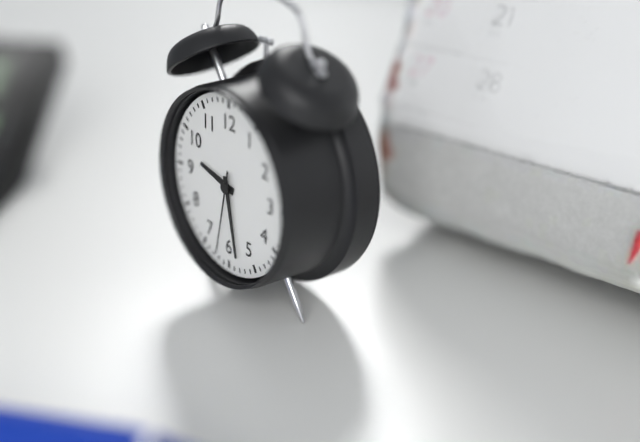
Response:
h=9 m=28 s=32
